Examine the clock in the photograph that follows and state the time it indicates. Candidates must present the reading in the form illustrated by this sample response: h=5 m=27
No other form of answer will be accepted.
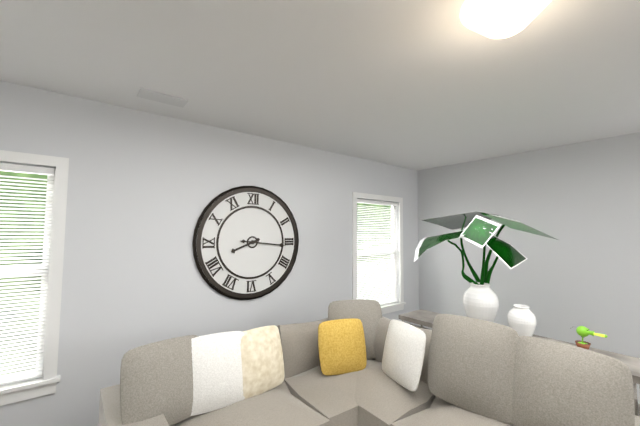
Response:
h=8 m=16
